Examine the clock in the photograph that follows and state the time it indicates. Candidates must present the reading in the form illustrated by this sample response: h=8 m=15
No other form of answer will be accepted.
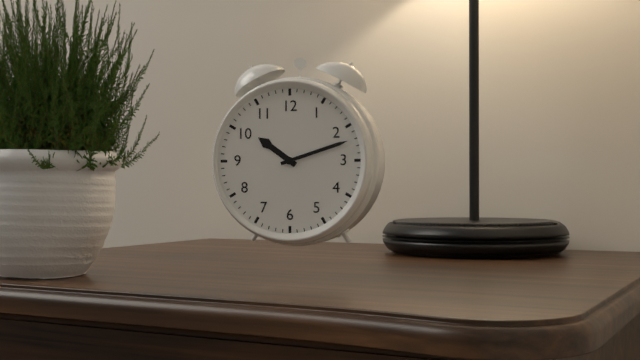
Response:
h=10 m=12
